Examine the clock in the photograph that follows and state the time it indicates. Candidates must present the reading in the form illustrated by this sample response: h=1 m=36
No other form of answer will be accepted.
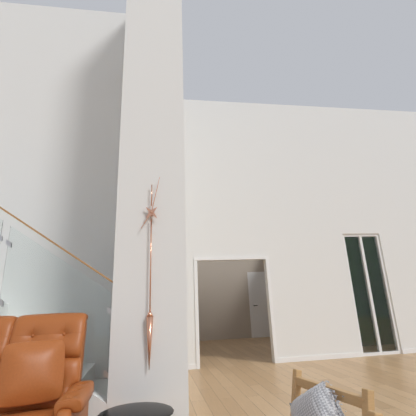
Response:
h=7 m=2
